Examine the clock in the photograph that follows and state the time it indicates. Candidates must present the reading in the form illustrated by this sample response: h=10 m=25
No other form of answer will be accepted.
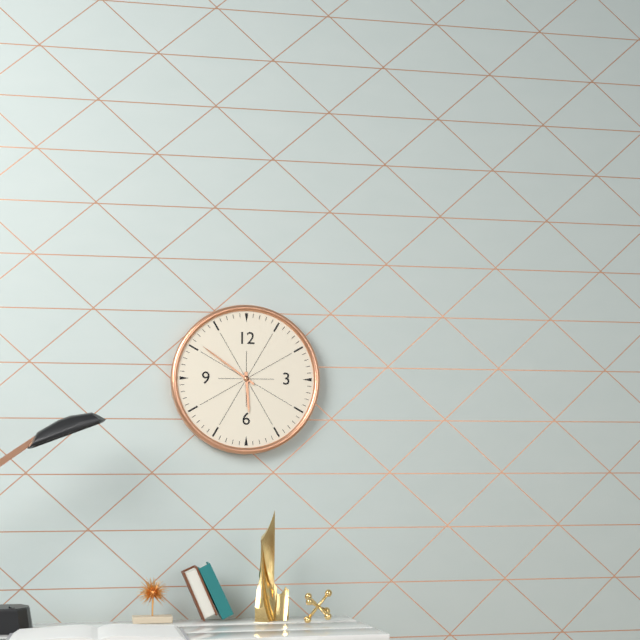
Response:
h=5 m=51
